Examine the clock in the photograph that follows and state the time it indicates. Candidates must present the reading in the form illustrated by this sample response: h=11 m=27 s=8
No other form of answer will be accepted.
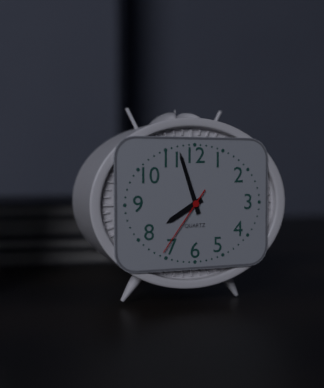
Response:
h=7 m=57 s=36
